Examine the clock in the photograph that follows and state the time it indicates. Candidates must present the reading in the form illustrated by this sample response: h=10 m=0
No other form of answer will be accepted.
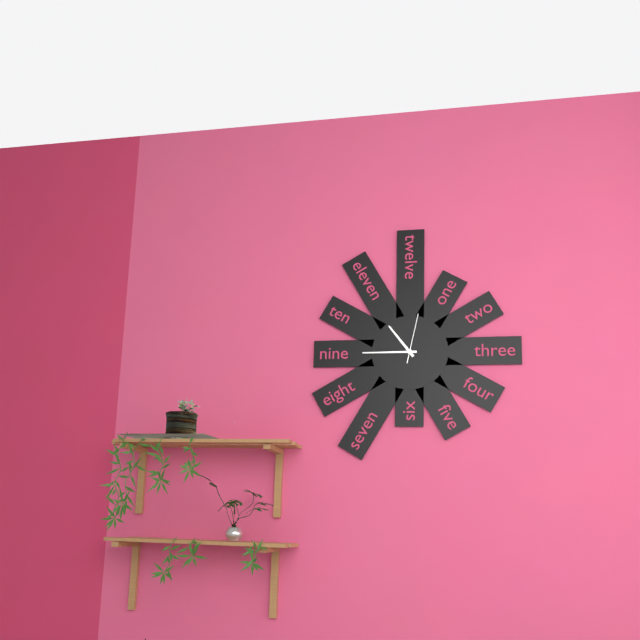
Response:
h=10 m=45
